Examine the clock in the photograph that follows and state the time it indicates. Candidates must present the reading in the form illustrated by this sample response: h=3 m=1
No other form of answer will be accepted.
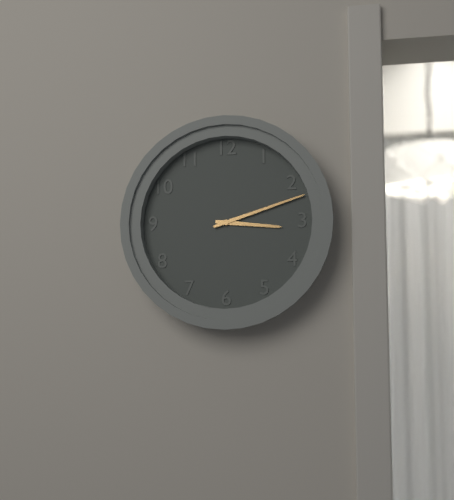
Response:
h=3 m=12
